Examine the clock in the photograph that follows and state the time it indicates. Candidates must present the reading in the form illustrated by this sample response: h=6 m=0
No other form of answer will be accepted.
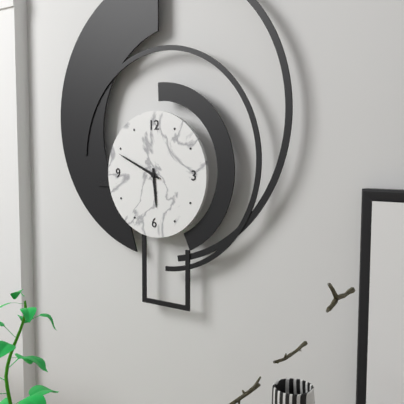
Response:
h=5 m=49
